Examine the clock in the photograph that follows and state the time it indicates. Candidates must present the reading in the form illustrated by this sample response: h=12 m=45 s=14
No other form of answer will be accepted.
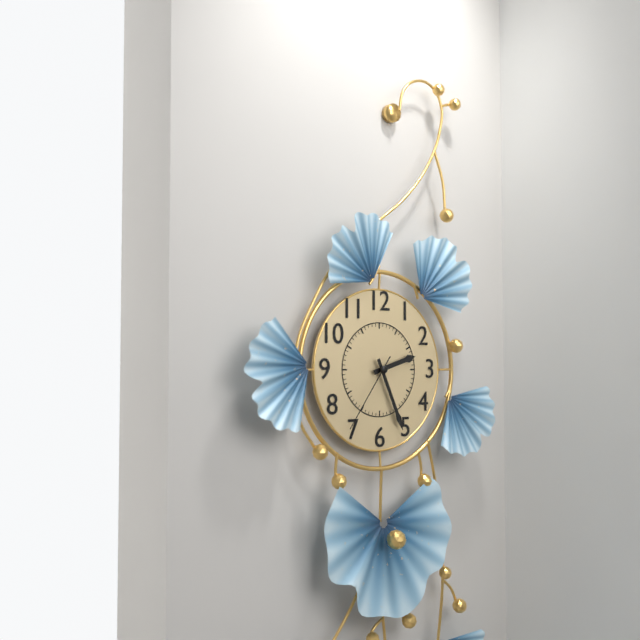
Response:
h=2 m=26 s=36
